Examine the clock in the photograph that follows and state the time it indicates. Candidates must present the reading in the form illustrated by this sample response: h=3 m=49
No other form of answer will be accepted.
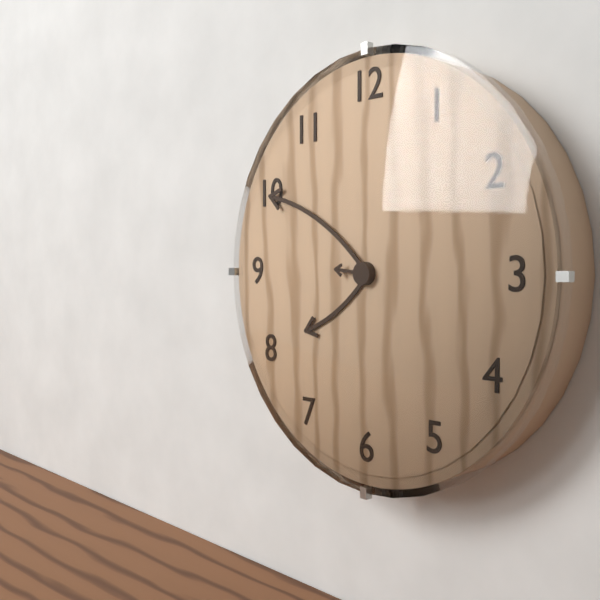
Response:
h=7 m=50
